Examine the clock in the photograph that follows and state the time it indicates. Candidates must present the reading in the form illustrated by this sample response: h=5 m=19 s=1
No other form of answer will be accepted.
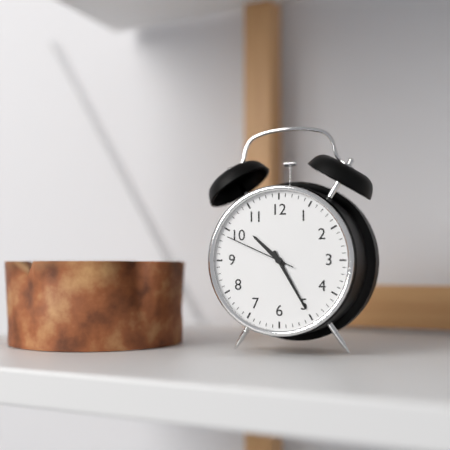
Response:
h=10 m=25 s=49
